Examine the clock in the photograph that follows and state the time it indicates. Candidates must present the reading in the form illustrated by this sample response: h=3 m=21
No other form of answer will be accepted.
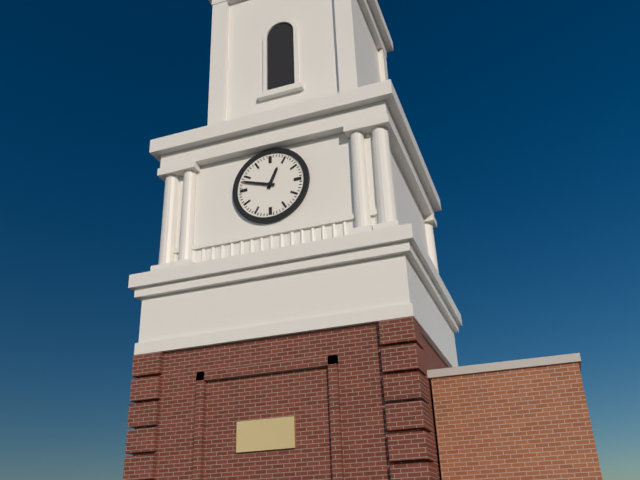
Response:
h=12 m=48
